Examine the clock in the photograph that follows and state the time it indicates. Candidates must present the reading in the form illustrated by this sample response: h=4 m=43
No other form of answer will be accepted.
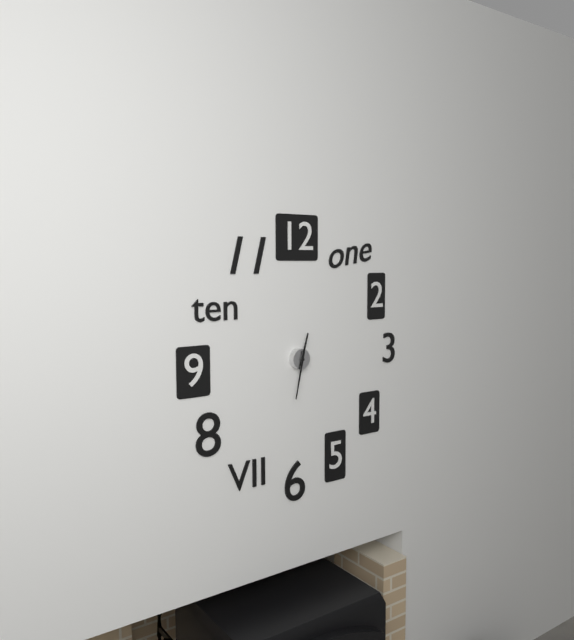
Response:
h=12 m=32
